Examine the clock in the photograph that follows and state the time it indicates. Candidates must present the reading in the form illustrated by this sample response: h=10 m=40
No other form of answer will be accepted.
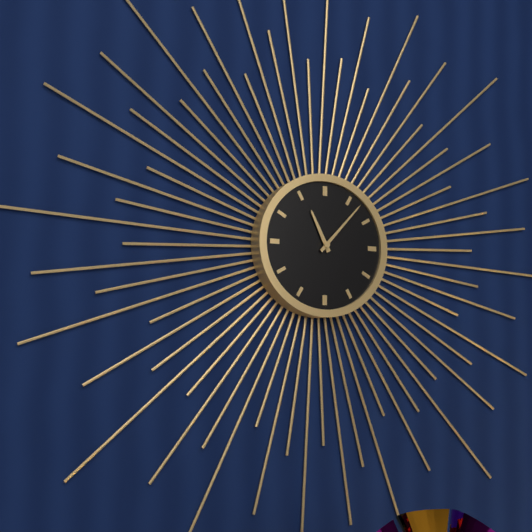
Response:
h=11 m=7
